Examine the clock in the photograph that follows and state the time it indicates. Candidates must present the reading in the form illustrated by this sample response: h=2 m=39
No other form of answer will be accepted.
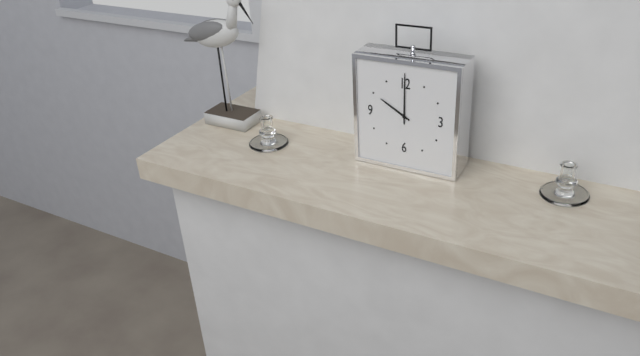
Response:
h=10 m=0
